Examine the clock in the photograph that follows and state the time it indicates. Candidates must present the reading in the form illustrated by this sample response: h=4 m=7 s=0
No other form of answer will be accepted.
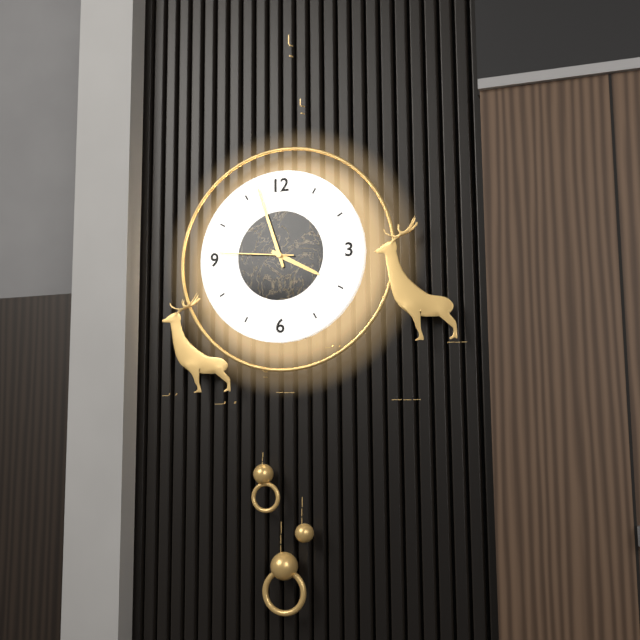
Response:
h=3 m=57 s=46
